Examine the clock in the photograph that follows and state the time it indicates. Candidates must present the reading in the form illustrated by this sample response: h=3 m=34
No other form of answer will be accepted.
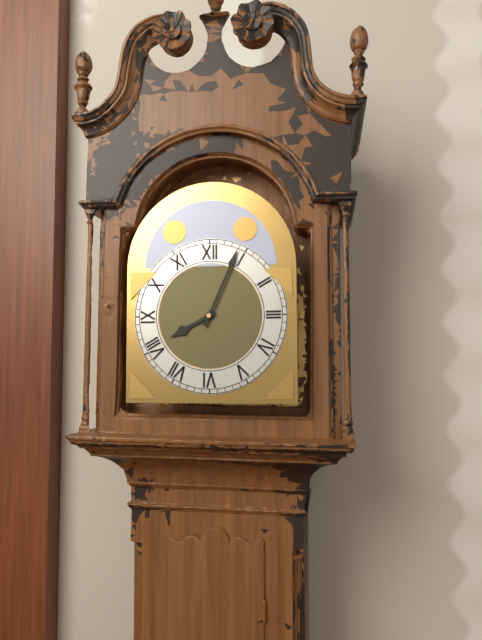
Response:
h=8 m=4
